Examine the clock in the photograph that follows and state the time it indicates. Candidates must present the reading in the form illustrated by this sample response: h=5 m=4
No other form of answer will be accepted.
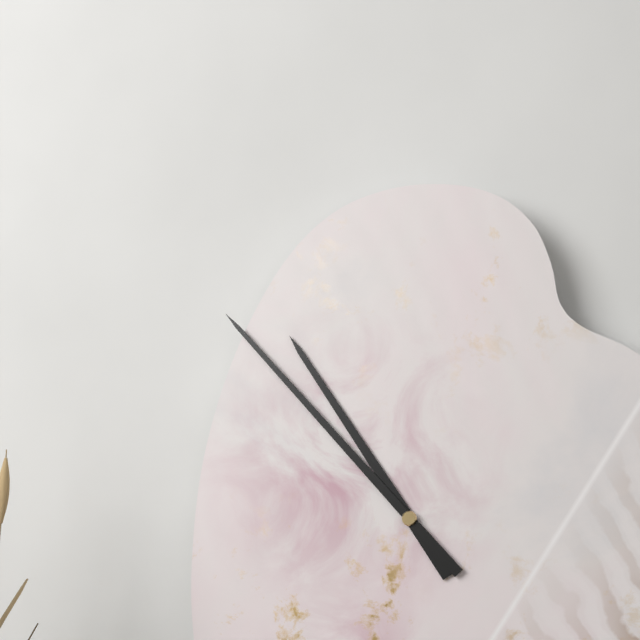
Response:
h=10 m=53
